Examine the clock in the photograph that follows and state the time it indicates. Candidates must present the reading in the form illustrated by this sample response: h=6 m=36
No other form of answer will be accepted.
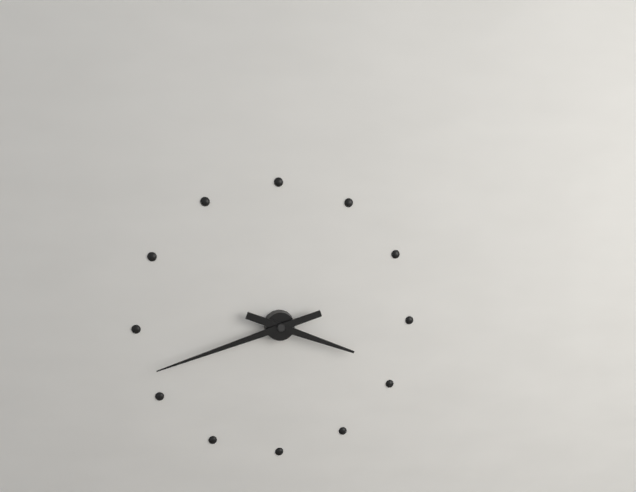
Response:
h=3 m=42
